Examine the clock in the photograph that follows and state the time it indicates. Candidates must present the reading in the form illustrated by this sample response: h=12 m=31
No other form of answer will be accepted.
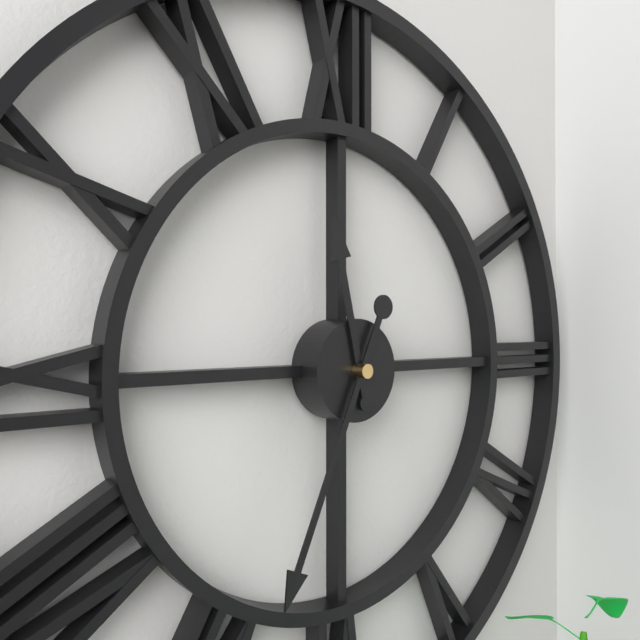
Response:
h=11 m=34
